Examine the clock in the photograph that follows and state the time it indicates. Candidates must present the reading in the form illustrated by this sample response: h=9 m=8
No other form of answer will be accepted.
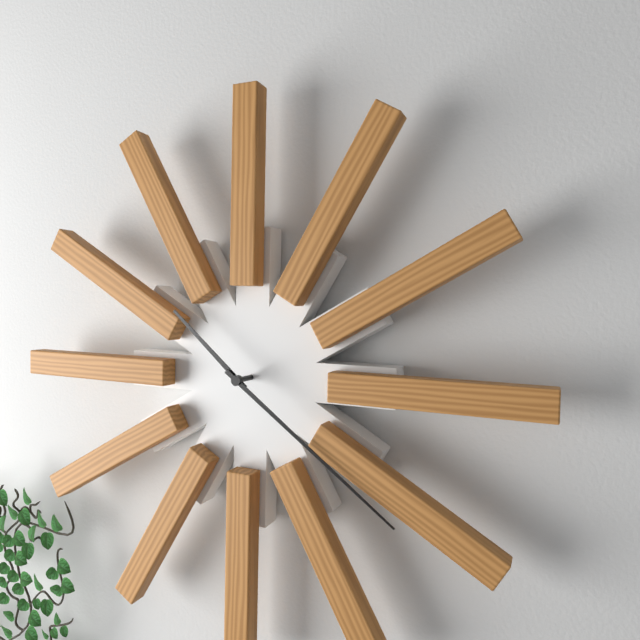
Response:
h=10 m=21
